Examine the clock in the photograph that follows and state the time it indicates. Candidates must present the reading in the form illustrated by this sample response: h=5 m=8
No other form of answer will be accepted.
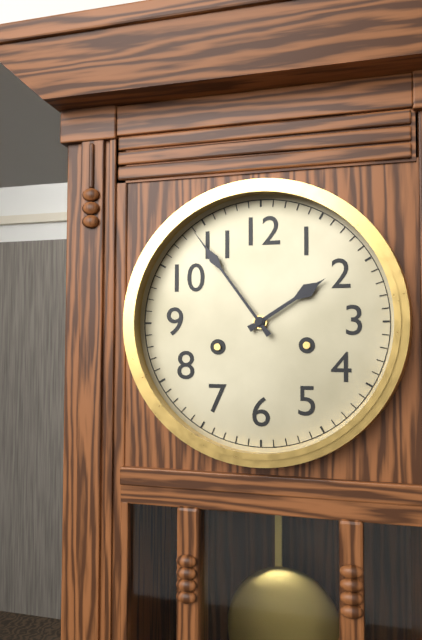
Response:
h=1 m=54
